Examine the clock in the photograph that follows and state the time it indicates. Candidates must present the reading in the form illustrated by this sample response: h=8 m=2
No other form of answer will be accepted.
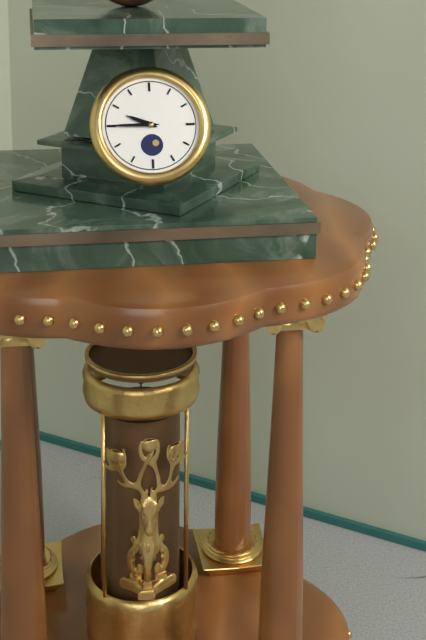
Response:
h=9 m=45
